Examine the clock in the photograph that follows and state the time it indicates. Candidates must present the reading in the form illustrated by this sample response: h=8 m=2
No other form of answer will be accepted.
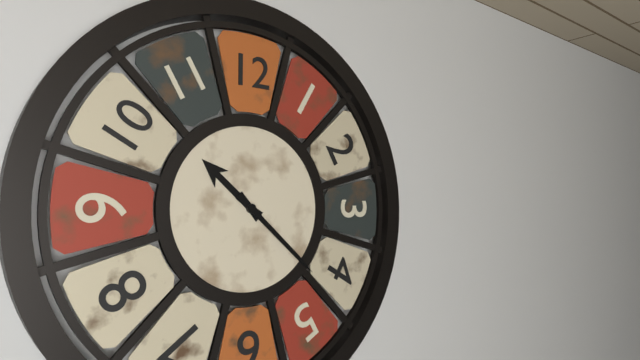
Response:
h=10 m=22
